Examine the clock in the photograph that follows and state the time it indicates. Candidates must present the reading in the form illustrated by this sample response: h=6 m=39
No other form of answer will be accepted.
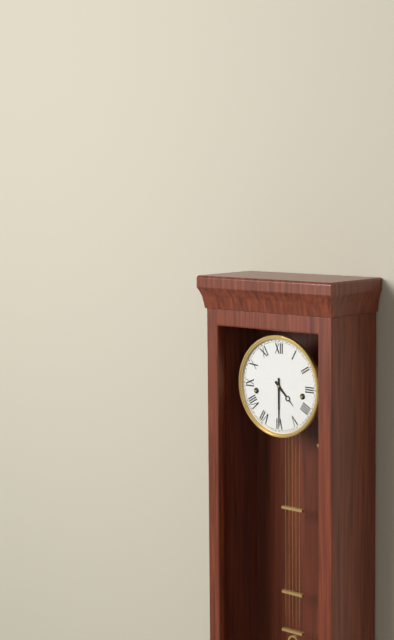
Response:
h=4 m=30
